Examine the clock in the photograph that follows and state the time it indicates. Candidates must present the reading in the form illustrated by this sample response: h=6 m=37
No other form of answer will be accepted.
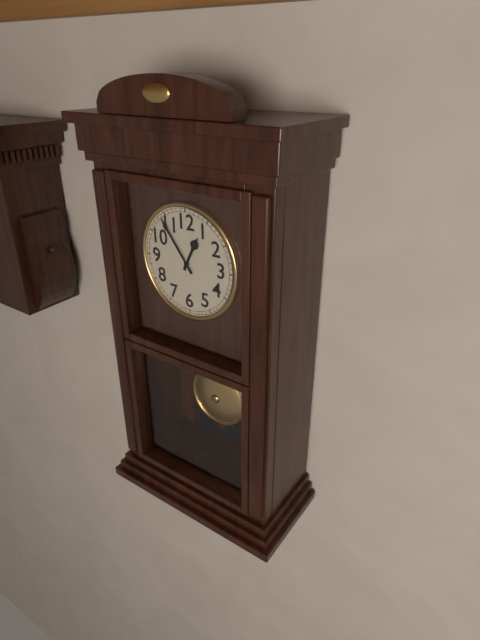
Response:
h=12 m=54
